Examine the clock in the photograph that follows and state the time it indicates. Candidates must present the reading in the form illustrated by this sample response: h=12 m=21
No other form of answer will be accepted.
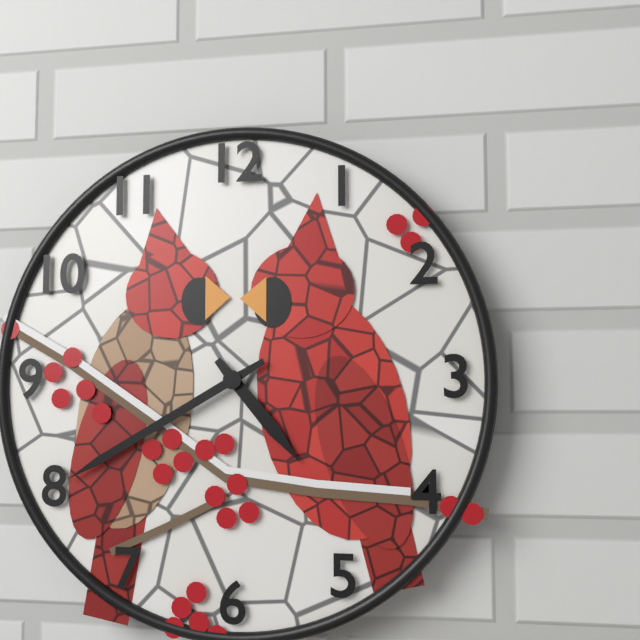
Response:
h=4 m=40
